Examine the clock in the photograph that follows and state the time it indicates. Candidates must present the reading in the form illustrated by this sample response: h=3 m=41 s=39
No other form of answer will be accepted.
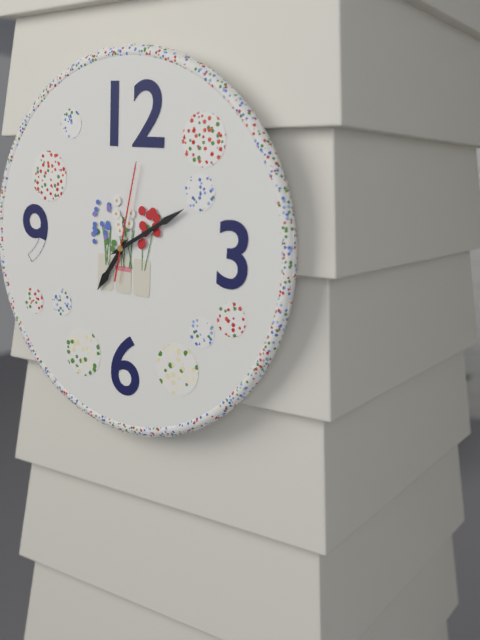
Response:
h=7 m=10 s=2
